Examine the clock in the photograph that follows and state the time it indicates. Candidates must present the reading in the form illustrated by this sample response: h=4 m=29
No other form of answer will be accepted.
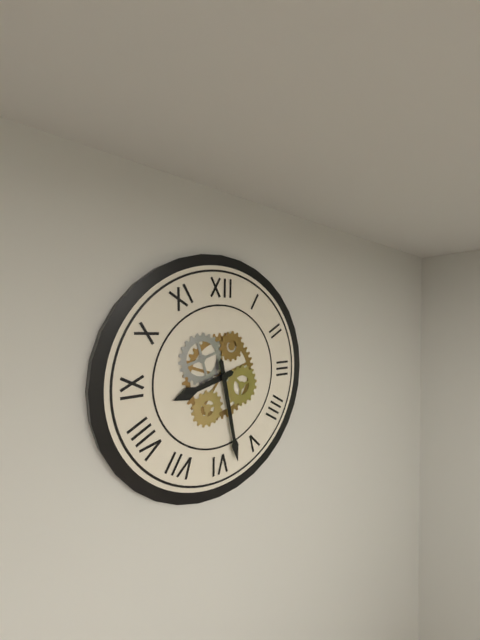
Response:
h=8 m=28
